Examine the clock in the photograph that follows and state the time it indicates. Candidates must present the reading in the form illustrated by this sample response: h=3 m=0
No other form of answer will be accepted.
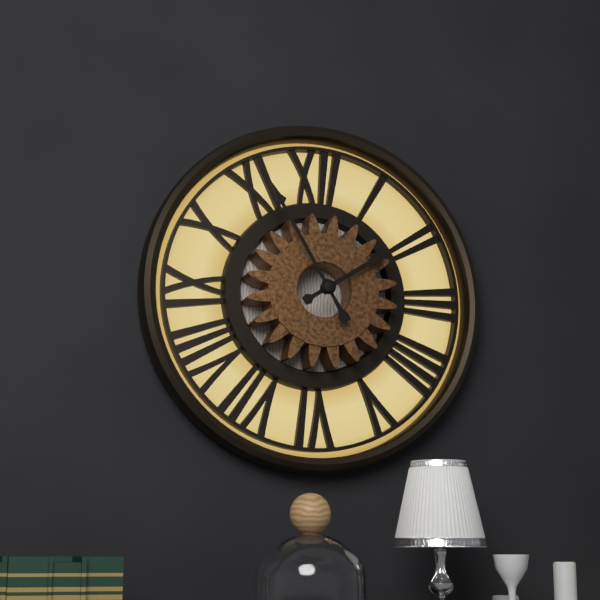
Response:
h=1 m=55
